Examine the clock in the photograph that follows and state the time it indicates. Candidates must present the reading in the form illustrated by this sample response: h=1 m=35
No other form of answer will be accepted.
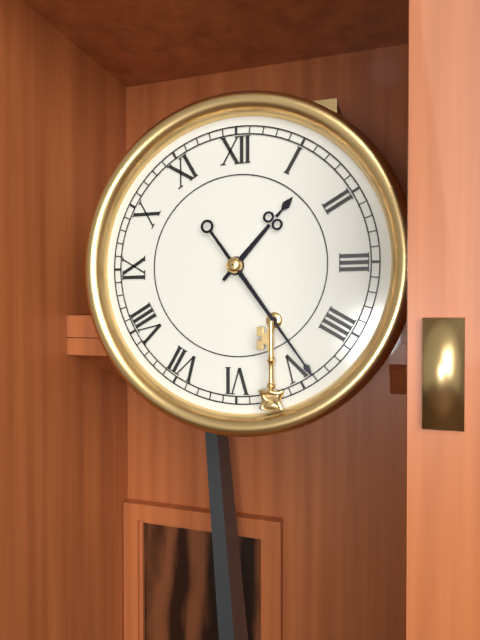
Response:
h=1 m=24
